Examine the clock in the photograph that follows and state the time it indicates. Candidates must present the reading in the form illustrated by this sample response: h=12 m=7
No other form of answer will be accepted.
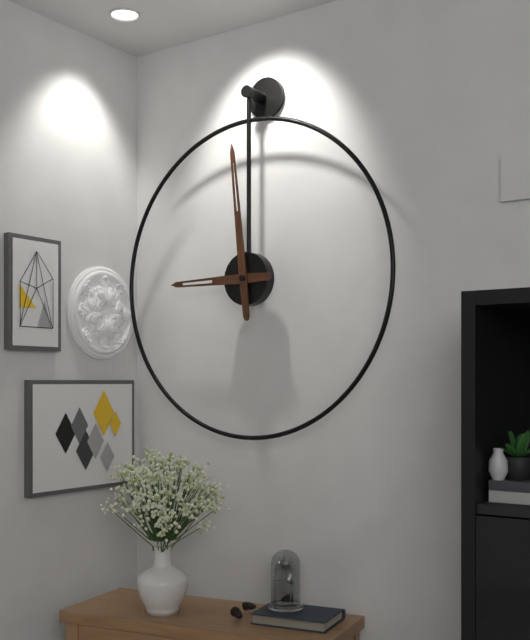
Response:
h=8 m=59
